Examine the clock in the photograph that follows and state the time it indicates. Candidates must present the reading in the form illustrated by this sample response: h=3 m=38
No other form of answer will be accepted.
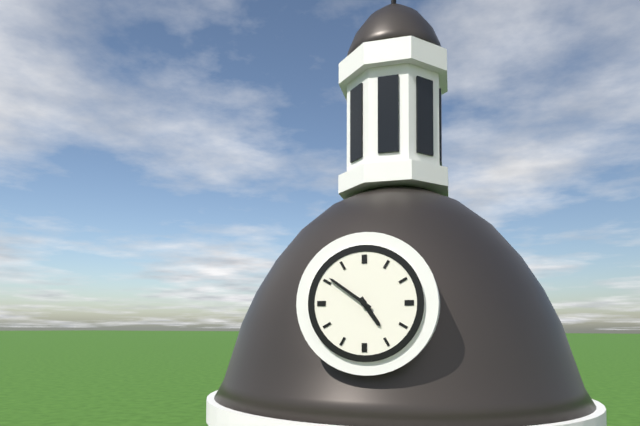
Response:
h=4 m=51
